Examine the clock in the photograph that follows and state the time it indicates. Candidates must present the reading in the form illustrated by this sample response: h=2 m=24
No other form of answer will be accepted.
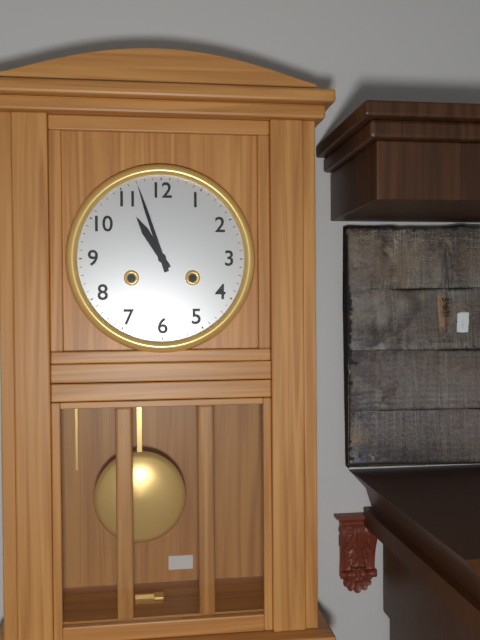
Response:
h=10 m=57
